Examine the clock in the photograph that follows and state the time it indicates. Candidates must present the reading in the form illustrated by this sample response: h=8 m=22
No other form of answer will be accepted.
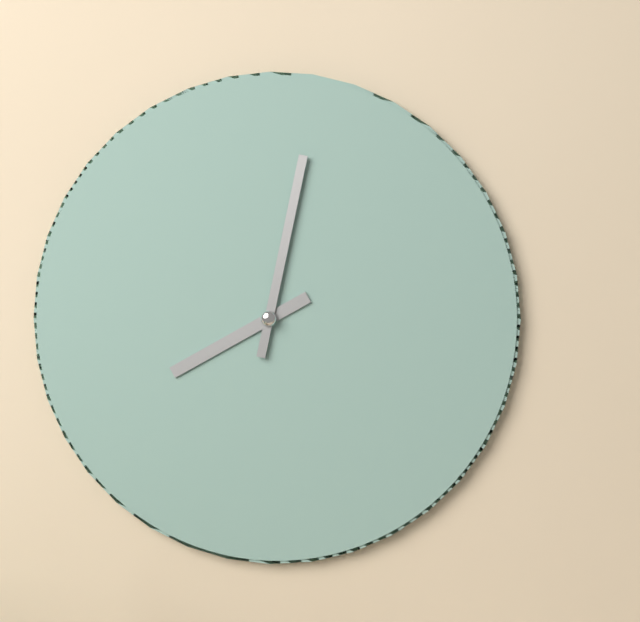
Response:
h=8 m=2
